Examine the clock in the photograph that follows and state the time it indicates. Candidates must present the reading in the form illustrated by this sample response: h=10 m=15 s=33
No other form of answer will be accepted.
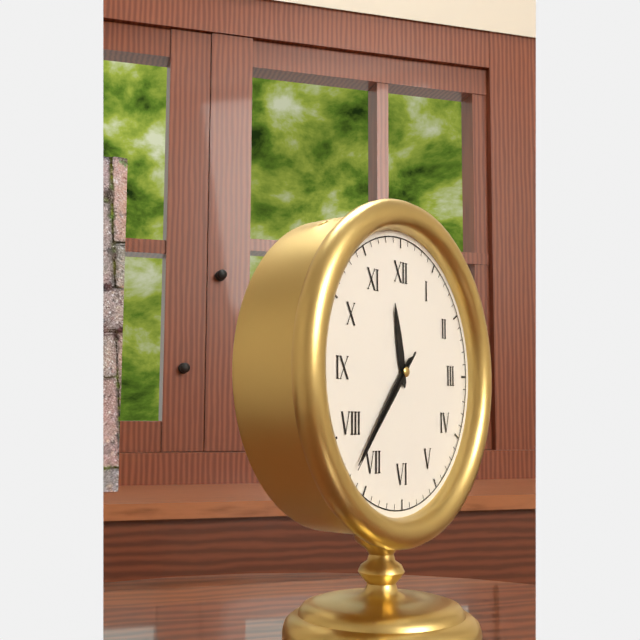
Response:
h=11 m=37 s=37
